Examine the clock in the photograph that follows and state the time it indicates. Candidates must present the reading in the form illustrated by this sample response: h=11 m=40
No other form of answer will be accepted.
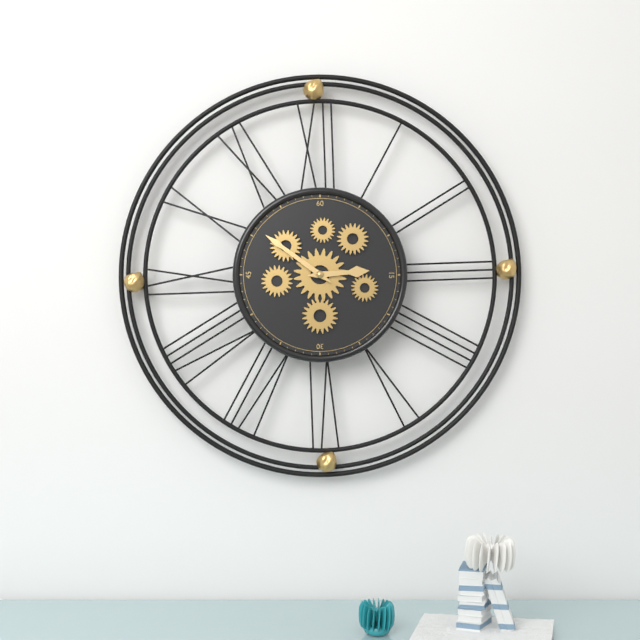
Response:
h=2 m=51
